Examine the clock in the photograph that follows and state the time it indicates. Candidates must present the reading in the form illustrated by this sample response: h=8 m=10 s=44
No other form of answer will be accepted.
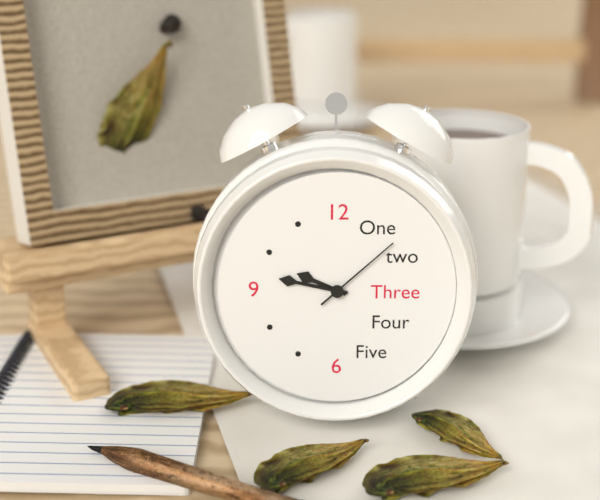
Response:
h=9 m=47 s=8
